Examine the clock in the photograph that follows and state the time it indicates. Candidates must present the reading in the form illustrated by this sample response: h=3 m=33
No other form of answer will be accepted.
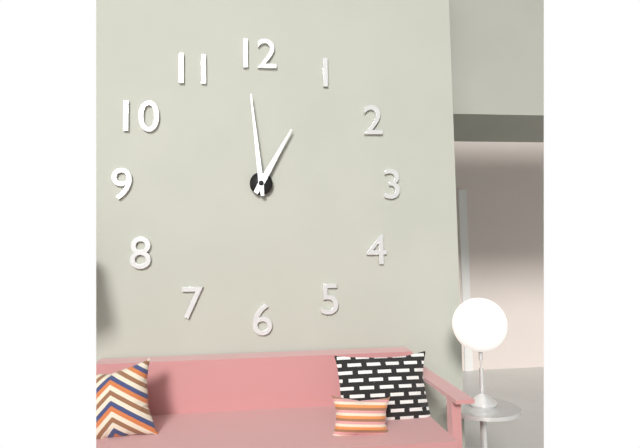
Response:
h=12 m=59
